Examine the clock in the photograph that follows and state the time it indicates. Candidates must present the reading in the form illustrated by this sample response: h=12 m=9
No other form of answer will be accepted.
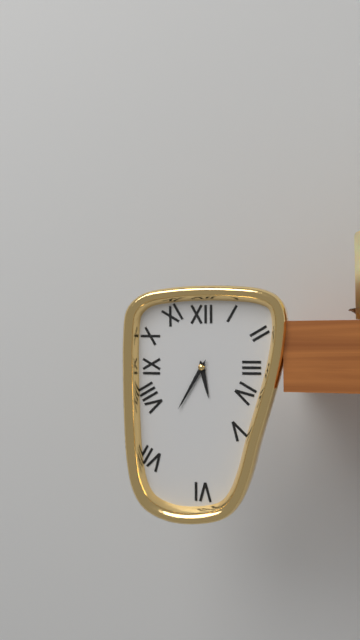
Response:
h=5 m=35
